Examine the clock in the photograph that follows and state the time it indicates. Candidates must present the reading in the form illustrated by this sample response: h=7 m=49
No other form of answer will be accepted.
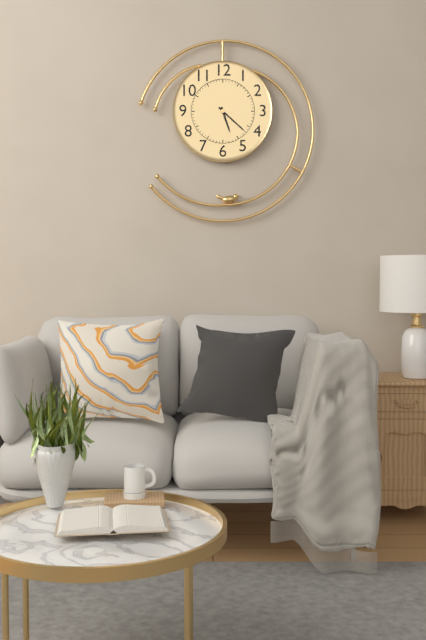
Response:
h=5 m=22
